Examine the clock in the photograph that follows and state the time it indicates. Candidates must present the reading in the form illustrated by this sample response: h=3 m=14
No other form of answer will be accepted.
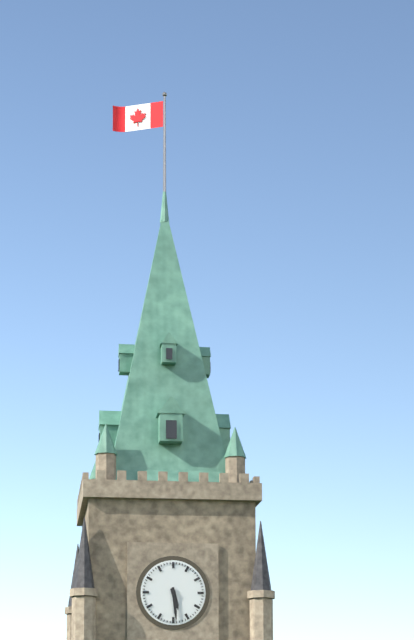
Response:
h=5 m=29
